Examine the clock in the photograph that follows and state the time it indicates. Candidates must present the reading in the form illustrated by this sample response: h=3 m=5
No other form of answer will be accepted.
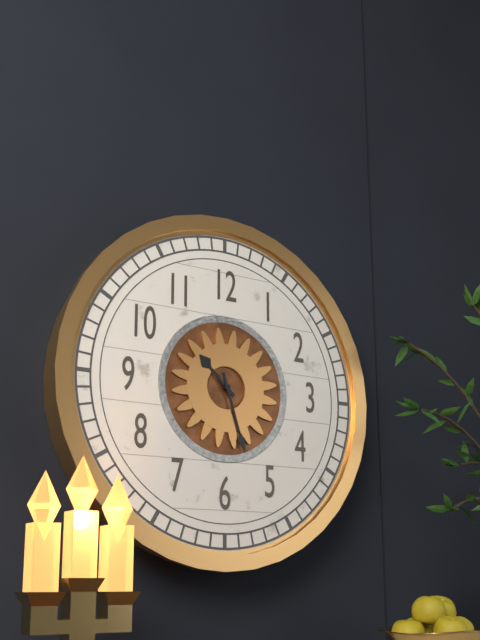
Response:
h=10 m=27
